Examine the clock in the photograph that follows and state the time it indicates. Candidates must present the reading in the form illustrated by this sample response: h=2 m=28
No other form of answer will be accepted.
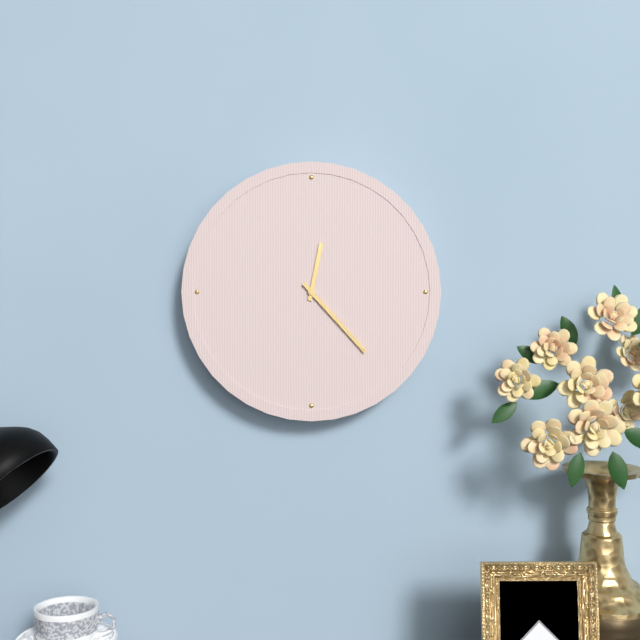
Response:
h=12 m=23
